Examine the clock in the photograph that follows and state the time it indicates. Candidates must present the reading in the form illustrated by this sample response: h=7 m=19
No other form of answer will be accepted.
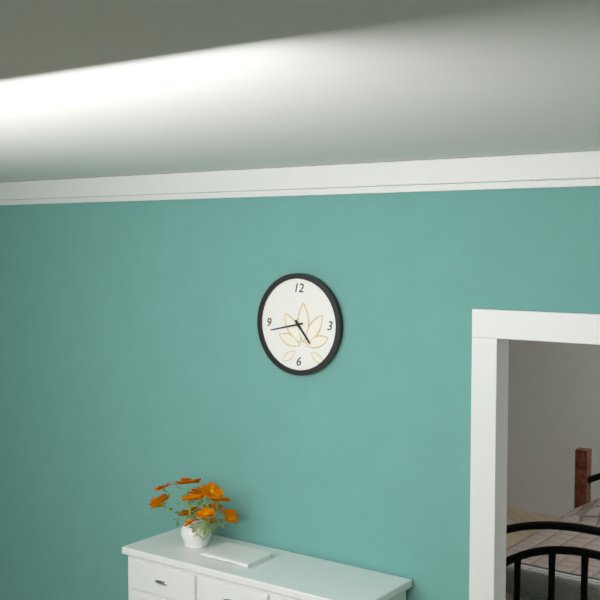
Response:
h=4 m=43
